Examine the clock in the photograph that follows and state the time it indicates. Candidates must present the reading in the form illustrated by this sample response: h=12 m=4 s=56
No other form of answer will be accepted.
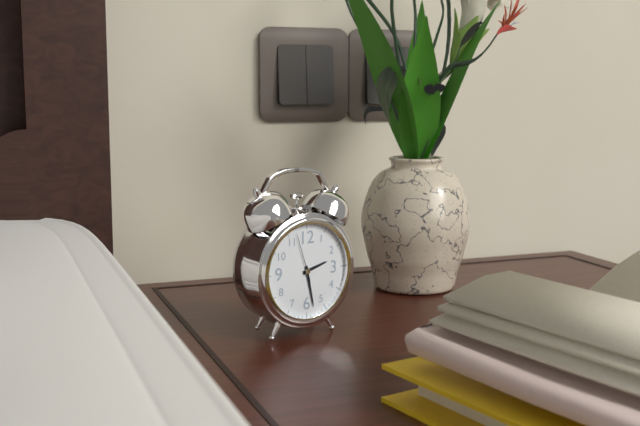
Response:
h=2 m=28 s=57
